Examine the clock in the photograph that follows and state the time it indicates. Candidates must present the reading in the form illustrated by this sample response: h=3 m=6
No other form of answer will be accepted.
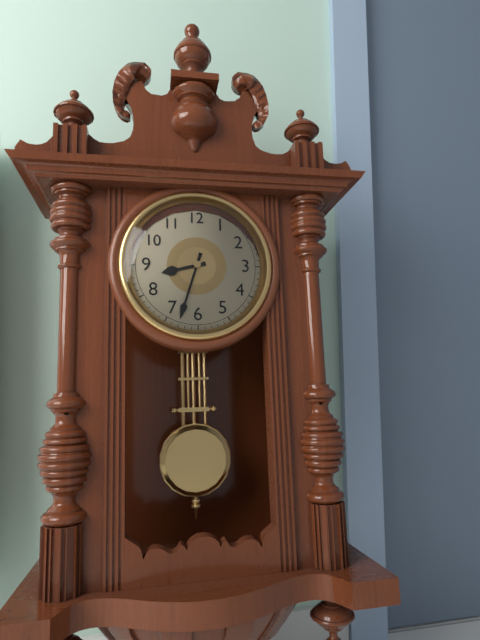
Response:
h=8 m=33
